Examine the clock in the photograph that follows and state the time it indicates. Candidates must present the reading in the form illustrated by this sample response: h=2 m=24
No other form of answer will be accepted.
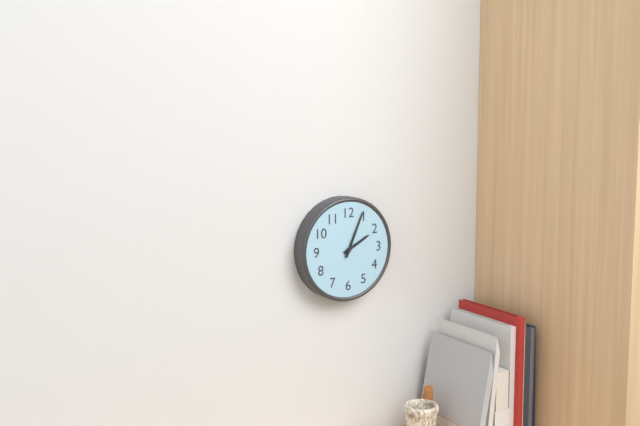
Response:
h=2 m=4
